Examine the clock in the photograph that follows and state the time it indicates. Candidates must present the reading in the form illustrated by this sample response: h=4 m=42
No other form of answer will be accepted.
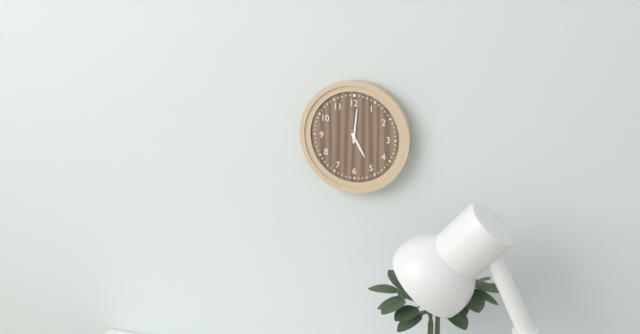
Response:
h=5 m=1
